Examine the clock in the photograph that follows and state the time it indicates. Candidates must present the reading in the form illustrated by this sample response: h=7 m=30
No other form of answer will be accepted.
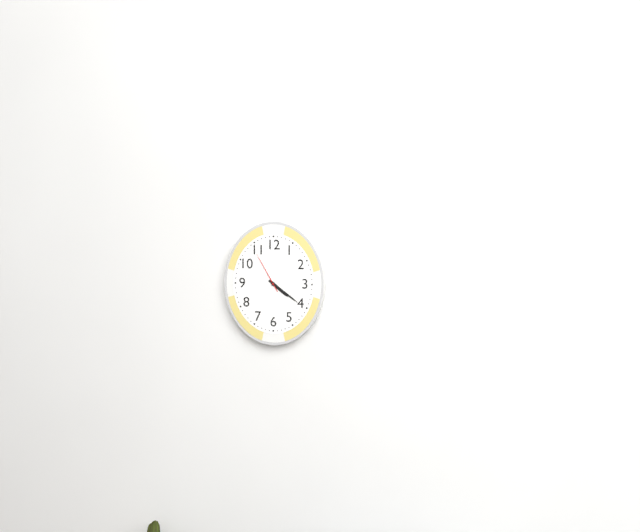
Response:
h=4 m=21
